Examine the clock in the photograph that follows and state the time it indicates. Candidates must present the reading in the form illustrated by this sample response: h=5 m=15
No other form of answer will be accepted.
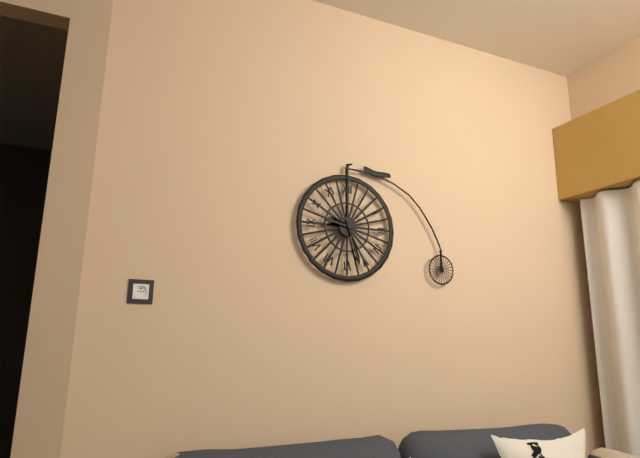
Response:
h=9 m=27
